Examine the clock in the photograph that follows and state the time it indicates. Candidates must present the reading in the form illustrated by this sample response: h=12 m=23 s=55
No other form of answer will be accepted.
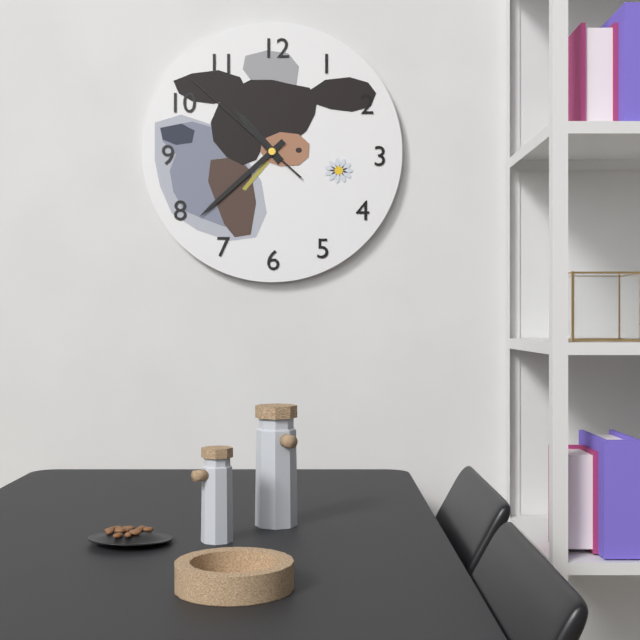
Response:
h=10 m=38 s=52
